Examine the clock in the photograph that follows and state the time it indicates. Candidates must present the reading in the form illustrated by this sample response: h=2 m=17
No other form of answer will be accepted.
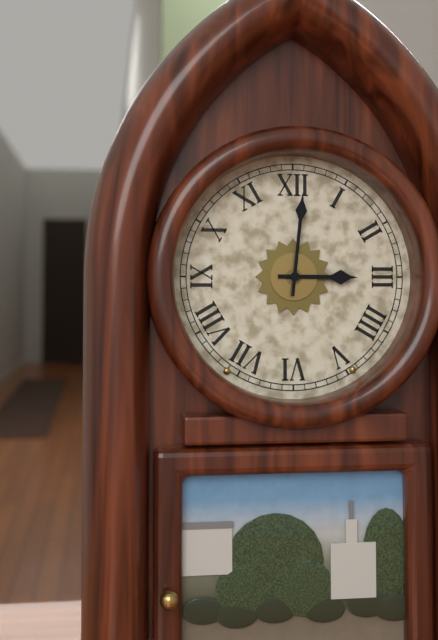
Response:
h=3 m=1
